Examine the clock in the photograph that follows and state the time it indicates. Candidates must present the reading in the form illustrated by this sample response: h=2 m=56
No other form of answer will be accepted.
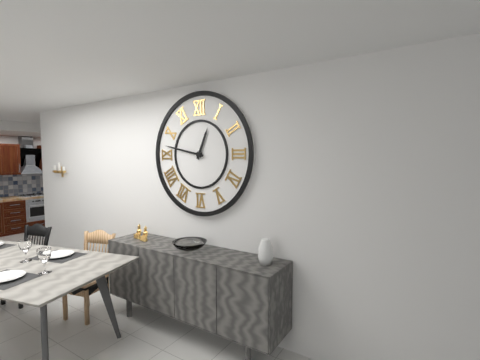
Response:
h=12 m=47
